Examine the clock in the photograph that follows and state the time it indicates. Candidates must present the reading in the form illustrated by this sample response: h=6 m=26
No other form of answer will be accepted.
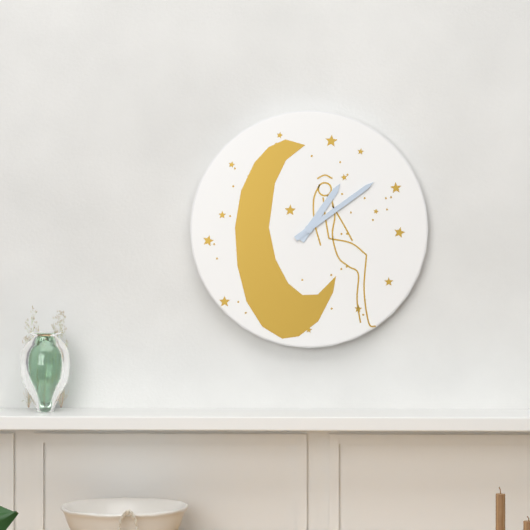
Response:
h=1 m=9
